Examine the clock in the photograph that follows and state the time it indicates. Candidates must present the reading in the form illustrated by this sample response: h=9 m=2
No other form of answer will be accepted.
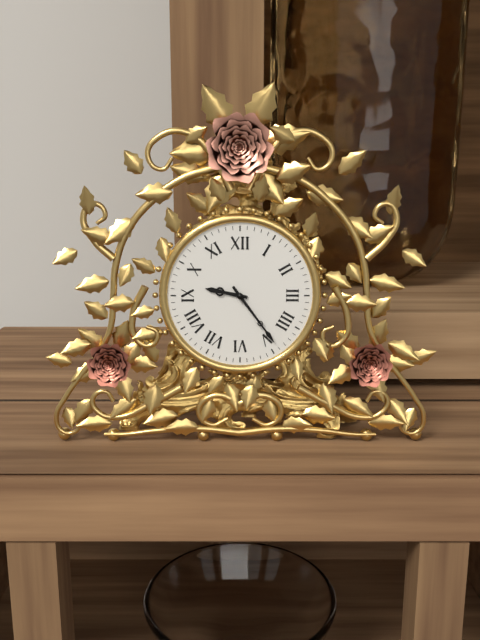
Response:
h=9 m=24
